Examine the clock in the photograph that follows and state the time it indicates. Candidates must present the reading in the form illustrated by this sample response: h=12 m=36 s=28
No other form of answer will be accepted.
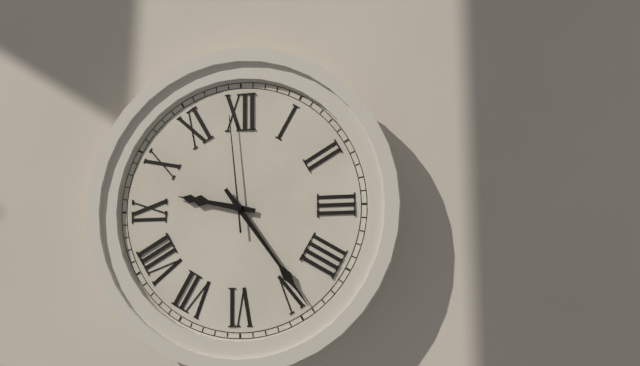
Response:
h=9 m=24 s=59
